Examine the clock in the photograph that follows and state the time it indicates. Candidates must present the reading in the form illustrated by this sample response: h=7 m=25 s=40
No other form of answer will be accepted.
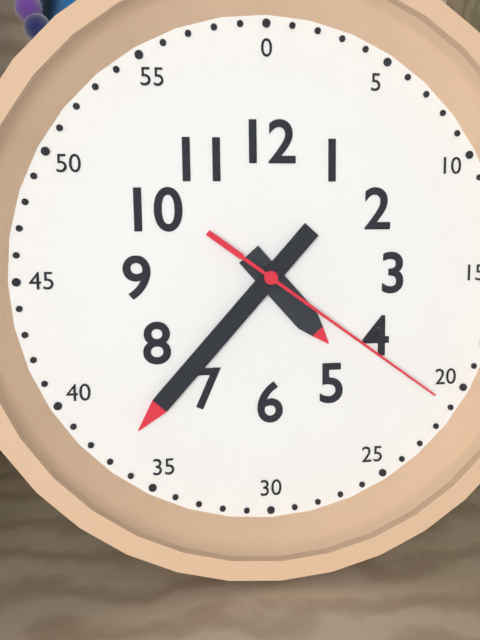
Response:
h=4 m=37 s=21
